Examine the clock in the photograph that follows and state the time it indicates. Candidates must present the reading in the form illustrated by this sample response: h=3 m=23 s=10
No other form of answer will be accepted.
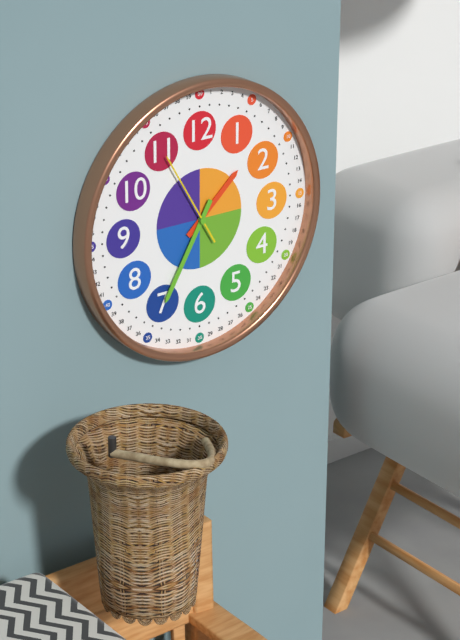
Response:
h=1 m=35 s=55
